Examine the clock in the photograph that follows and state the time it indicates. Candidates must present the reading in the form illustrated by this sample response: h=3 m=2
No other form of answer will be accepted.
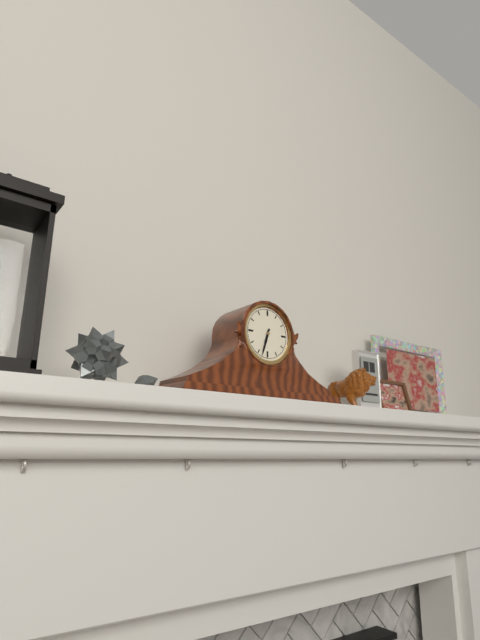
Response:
h=6 m=33
